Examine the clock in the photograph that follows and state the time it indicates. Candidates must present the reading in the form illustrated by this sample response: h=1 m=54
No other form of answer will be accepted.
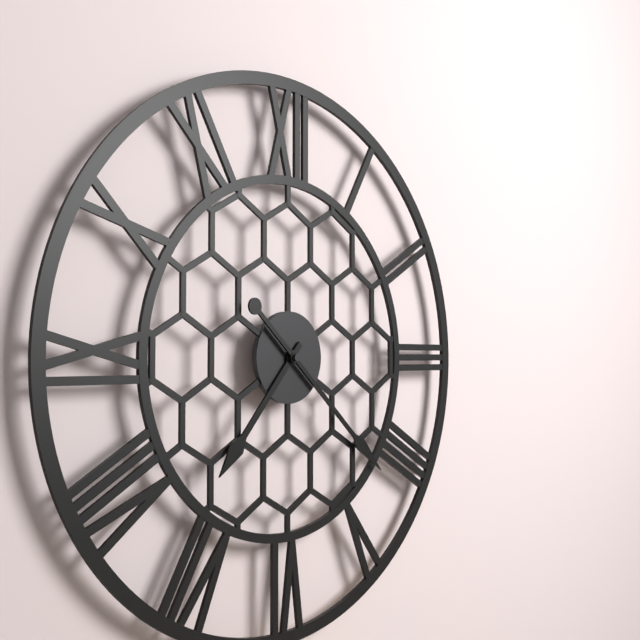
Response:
h=7 m=22
